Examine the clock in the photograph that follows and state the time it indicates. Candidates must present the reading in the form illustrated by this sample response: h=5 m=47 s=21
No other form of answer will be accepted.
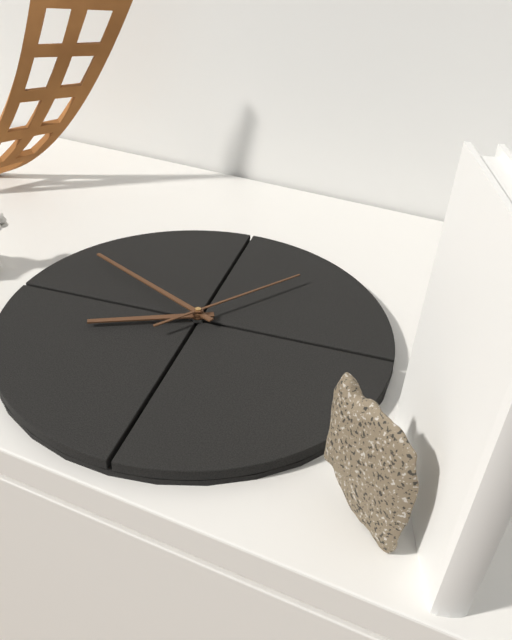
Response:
h=8 m=53 s=10
